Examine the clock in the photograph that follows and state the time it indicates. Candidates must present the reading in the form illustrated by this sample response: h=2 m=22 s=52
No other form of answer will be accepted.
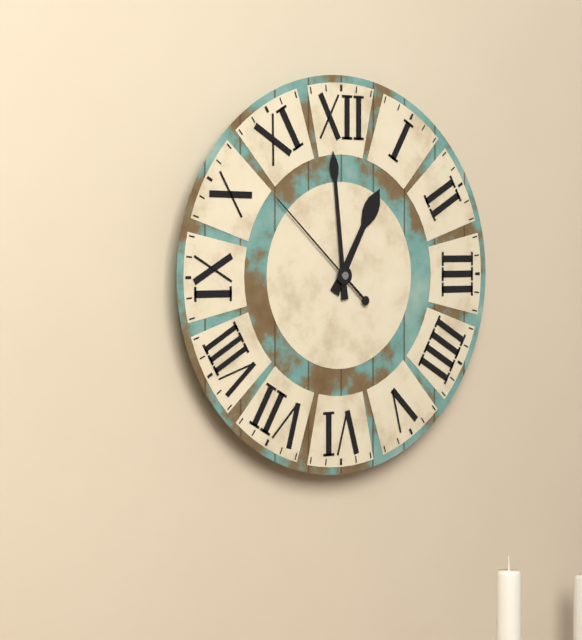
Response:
h=12 m=59 s=52
